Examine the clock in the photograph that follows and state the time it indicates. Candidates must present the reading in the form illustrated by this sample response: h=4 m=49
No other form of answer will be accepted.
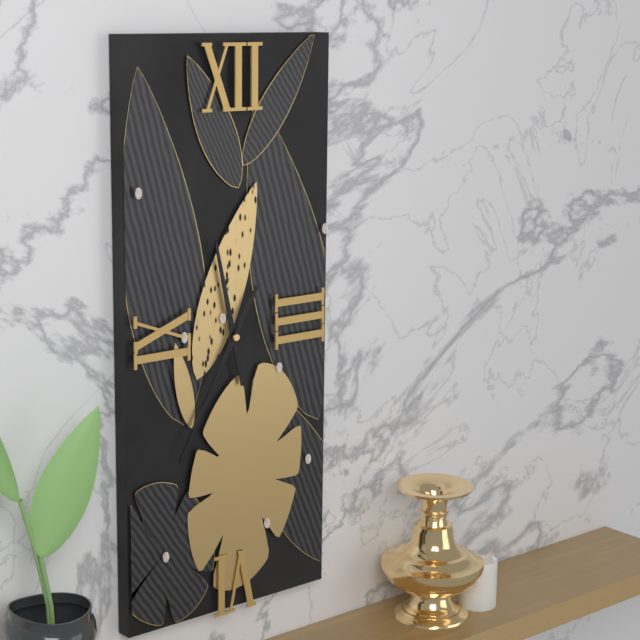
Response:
h=11 m=35
